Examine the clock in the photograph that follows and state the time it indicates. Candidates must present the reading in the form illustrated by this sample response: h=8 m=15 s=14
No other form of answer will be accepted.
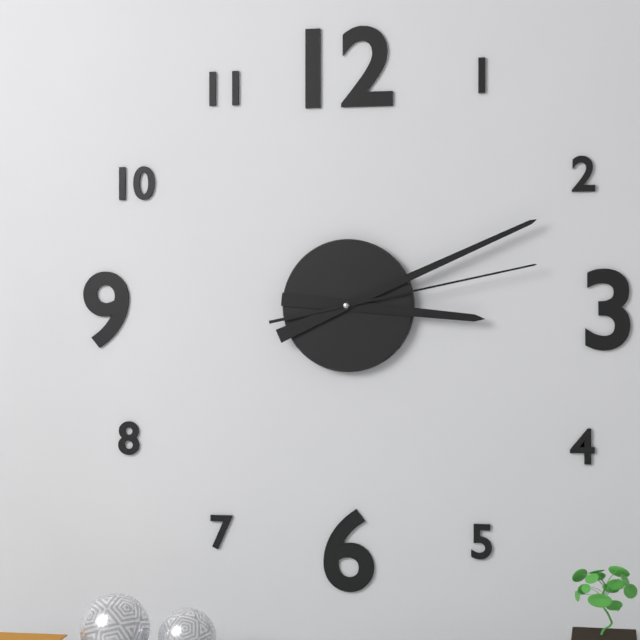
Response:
h=3 m=11 s=13
